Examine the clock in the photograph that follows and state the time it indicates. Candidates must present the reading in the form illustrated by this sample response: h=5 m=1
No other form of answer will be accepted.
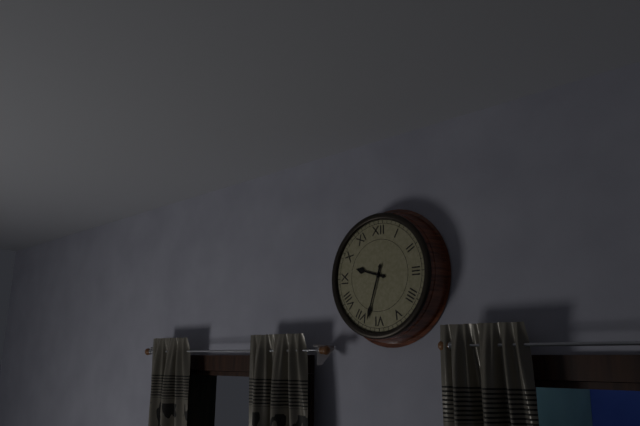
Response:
h=9 m=33
